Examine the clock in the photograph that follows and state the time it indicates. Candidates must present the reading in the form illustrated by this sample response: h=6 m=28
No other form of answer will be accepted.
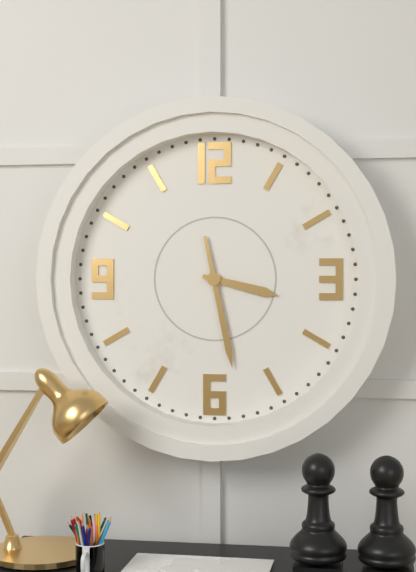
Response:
h=3 m=28
